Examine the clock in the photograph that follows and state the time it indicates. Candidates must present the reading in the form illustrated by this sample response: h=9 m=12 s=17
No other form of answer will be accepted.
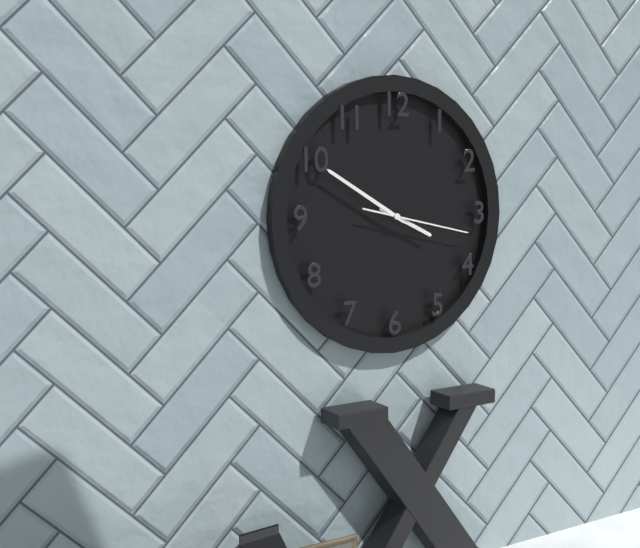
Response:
h=3 m=50 s=17
